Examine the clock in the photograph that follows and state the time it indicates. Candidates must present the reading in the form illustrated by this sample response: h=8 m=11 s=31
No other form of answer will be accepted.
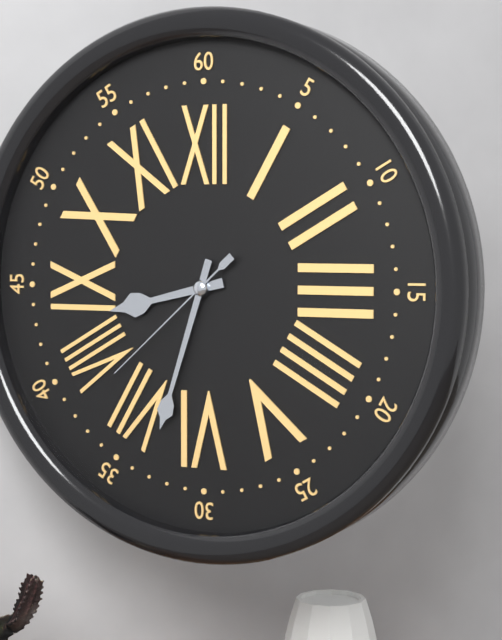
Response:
h=8 m=33 s=38
